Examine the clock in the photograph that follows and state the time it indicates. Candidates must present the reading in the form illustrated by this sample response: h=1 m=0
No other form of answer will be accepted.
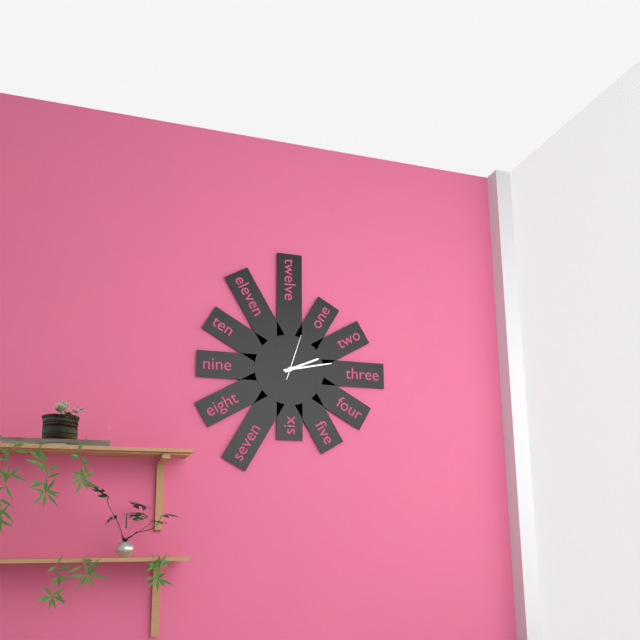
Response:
h=2 m=13
